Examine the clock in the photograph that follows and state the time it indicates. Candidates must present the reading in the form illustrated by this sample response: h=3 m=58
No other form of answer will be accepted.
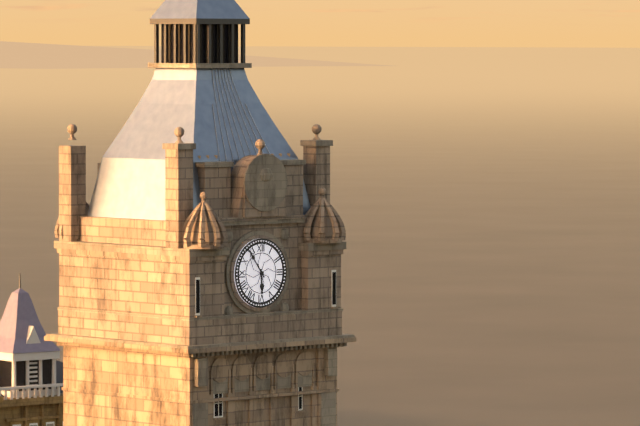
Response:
h=5 m=54
